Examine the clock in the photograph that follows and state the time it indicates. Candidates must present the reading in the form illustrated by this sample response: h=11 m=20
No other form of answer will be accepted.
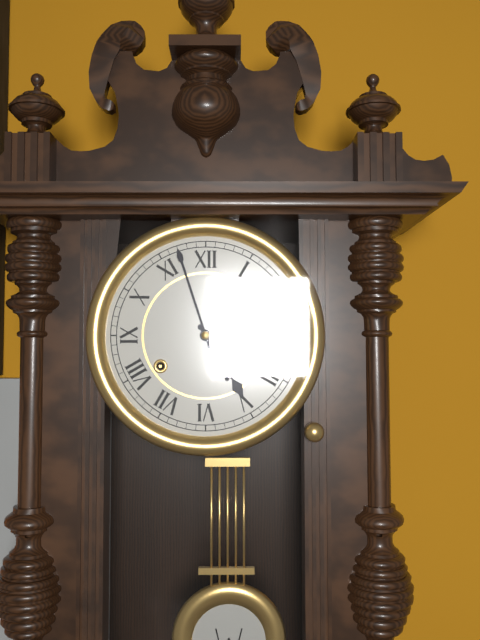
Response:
h=4 m=57
